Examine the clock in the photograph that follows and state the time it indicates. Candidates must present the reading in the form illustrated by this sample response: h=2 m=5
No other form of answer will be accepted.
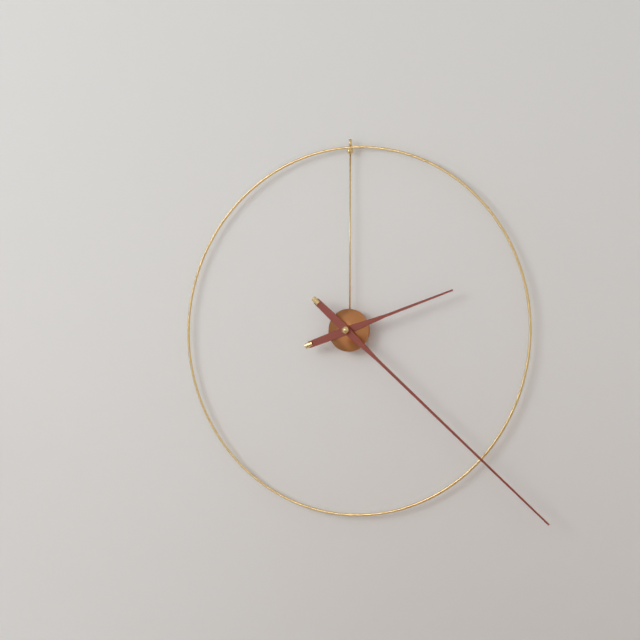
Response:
h=2 m=22
